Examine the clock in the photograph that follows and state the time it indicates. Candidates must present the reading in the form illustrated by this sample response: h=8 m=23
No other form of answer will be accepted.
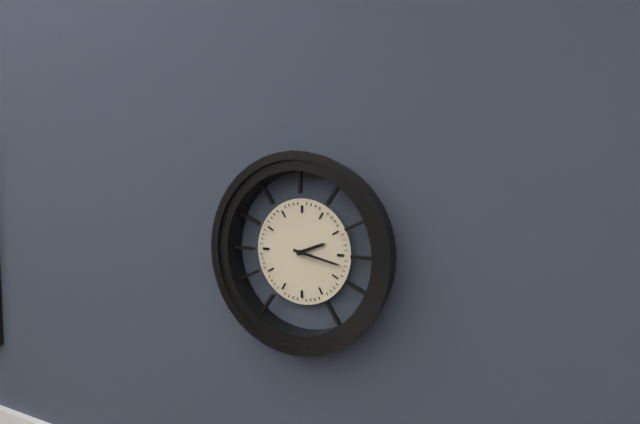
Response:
h=2 m=17
